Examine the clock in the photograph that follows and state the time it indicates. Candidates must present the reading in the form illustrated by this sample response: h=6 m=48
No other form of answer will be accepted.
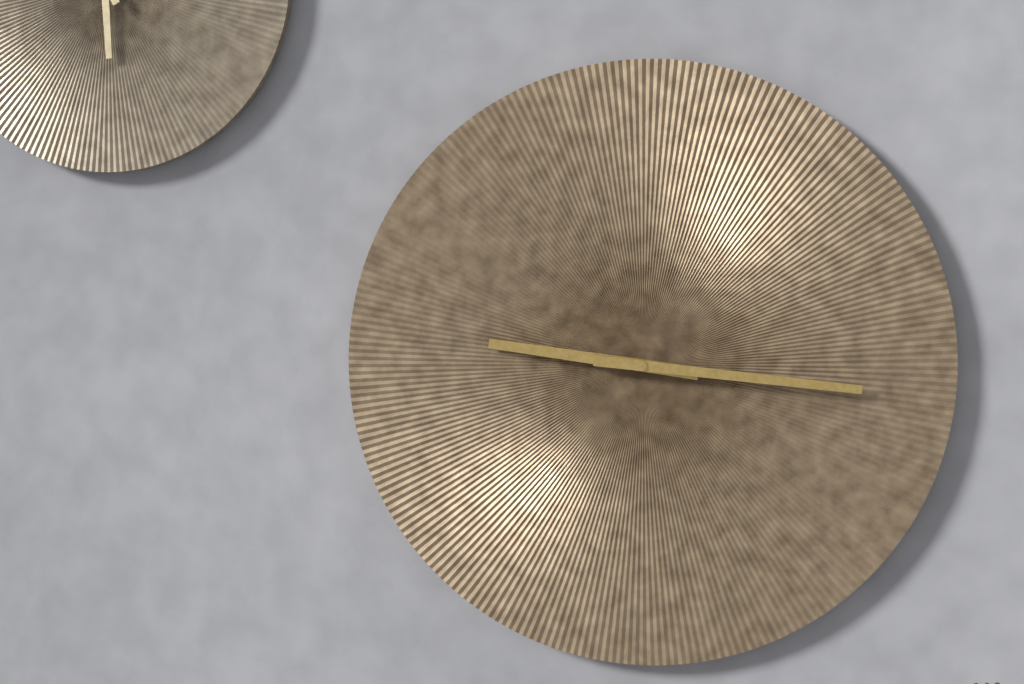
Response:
h=9 m=16
